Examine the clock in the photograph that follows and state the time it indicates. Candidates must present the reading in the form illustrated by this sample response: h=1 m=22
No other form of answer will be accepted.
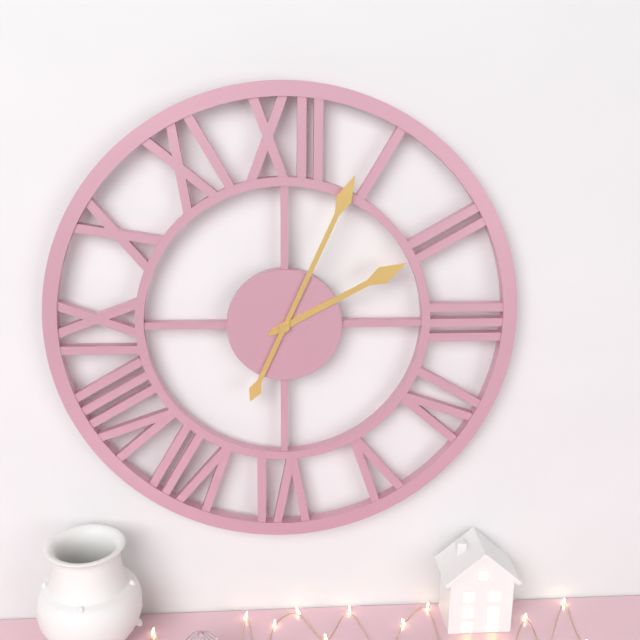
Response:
h=2 m=4
